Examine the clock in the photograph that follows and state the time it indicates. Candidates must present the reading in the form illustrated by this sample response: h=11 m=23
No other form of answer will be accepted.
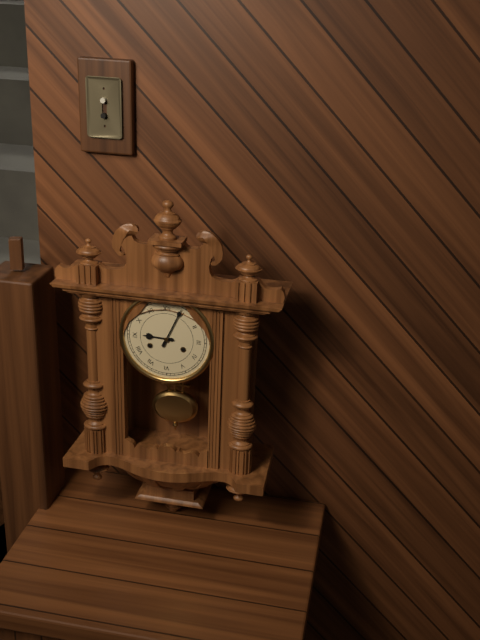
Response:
h=9 m=4
